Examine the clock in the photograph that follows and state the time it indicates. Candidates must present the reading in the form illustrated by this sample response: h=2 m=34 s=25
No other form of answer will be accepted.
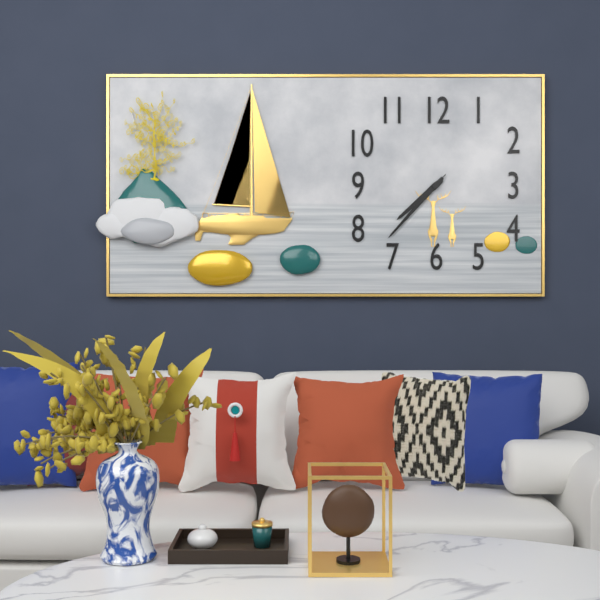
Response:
h=7 m=37 s=37
